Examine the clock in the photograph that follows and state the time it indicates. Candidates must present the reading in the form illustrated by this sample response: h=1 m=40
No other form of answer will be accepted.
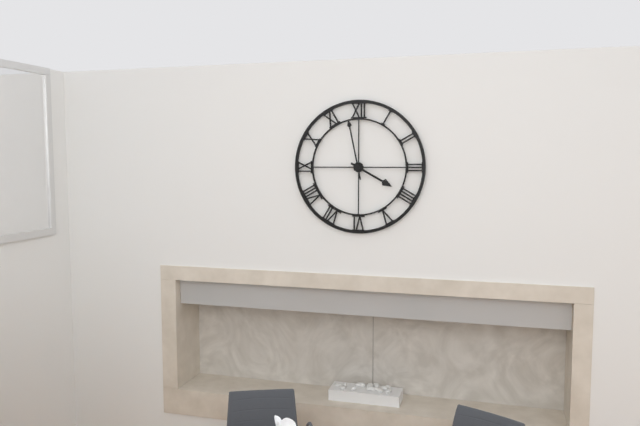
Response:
h=3 m=58
